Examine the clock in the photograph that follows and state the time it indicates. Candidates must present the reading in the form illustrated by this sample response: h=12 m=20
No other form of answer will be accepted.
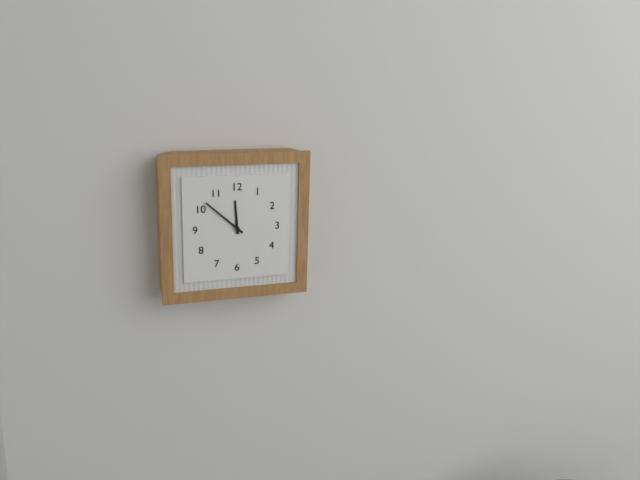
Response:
h=11 m=52
